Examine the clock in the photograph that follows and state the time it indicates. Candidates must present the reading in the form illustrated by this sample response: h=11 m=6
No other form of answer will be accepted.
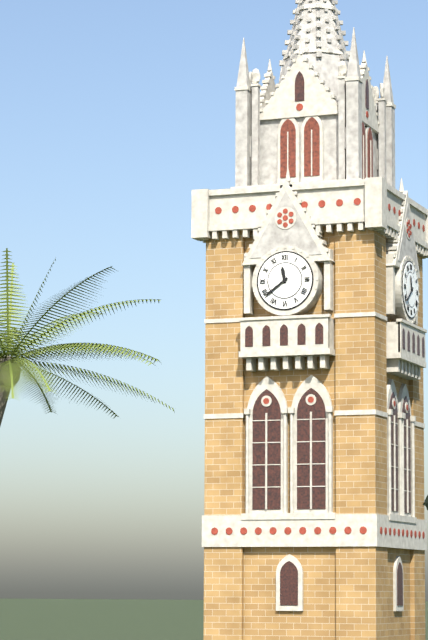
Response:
h=11 m=39
